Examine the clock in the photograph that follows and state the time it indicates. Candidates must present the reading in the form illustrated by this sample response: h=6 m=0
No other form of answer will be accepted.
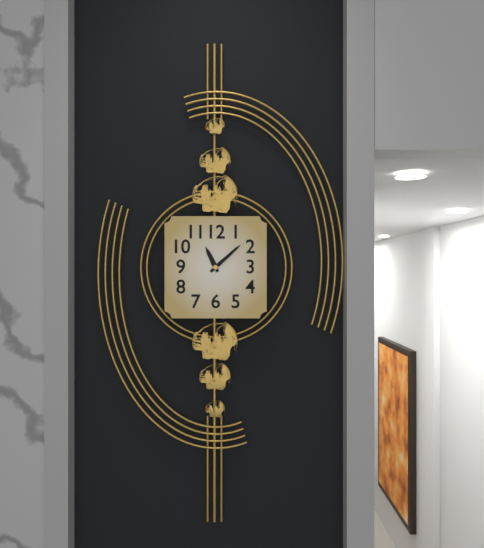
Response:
h=11 m=8
